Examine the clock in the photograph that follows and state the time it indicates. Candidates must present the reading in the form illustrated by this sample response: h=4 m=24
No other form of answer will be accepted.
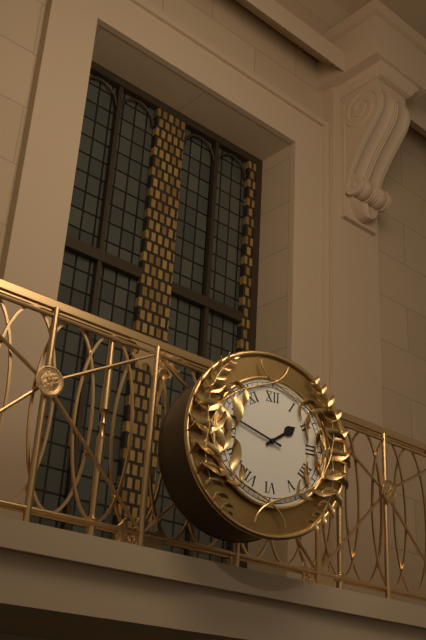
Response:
h=1 m=48
